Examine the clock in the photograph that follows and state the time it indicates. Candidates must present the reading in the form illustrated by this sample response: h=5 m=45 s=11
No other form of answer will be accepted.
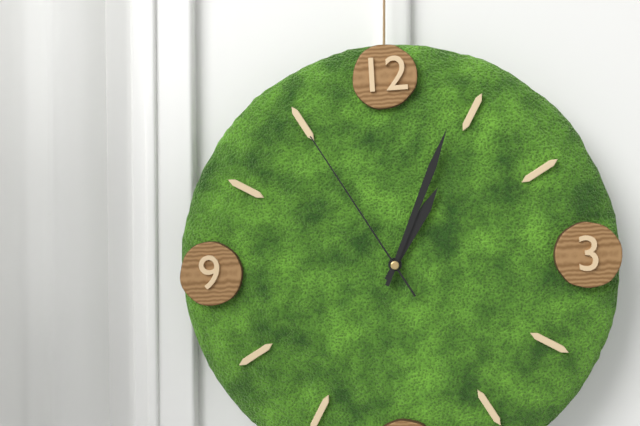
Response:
h=1 m=4 s=55
